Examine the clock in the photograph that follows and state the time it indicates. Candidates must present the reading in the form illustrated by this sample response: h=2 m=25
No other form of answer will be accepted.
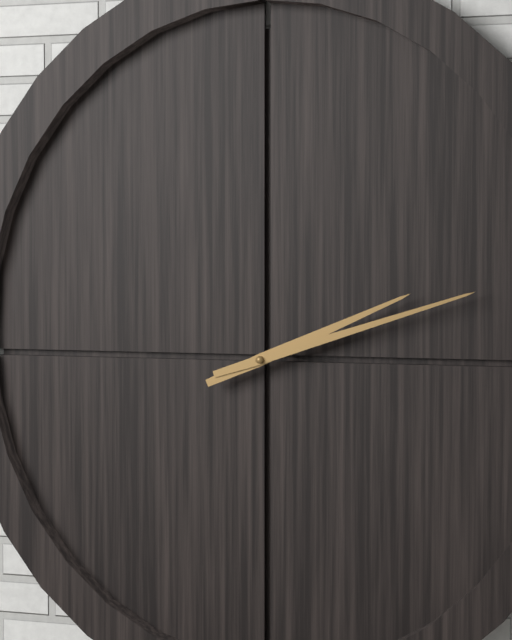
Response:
h=2 m=12
